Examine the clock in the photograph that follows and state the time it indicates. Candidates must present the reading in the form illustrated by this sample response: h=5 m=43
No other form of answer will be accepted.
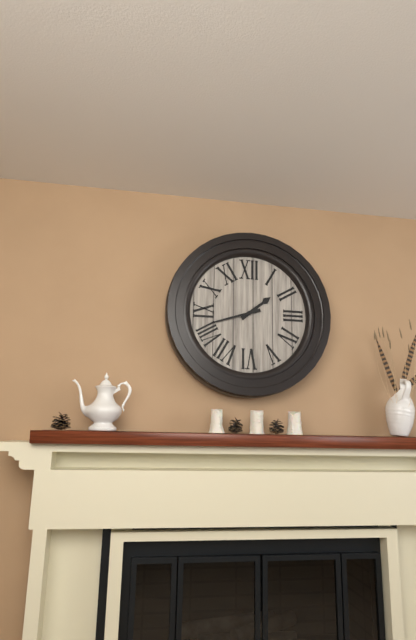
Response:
h=1 m=42
